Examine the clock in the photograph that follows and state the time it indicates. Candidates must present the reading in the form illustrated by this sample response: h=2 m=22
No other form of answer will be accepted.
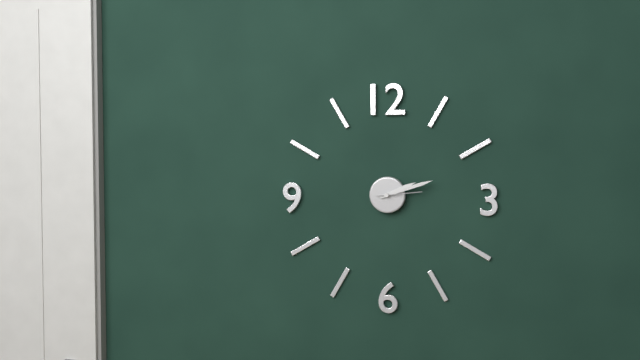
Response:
h=2 m=12
